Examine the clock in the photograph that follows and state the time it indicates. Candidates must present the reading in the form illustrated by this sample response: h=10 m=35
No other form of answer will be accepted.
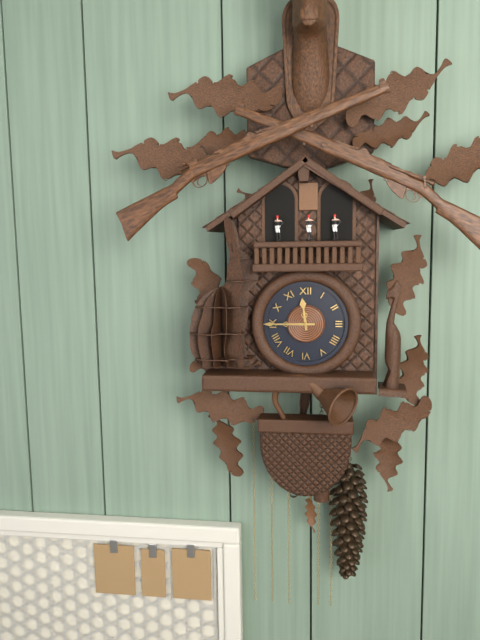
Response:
h=11 m=45
